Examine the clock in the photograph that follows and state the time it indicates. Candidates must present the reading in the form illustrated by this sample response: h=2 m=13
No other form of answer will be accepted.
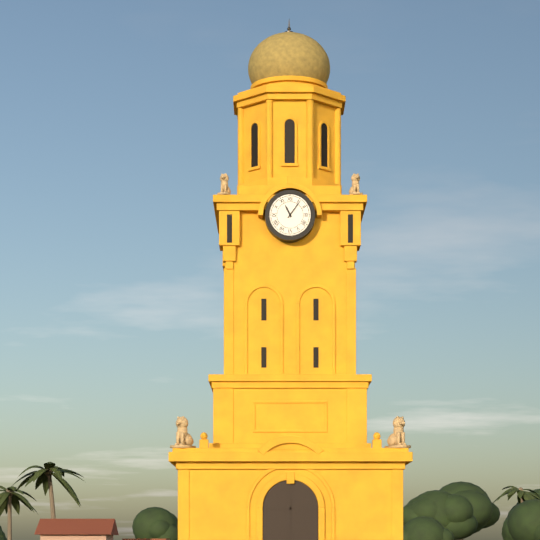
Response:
h=11 m=6
